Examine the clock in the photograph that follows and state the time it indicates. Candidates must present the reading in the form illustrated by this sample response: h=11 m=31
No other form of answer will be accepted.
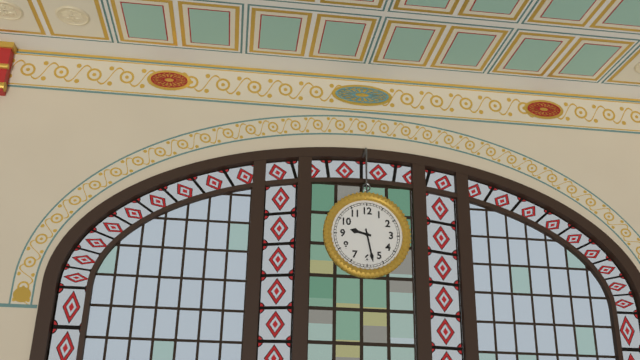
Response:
h=9 m=28
